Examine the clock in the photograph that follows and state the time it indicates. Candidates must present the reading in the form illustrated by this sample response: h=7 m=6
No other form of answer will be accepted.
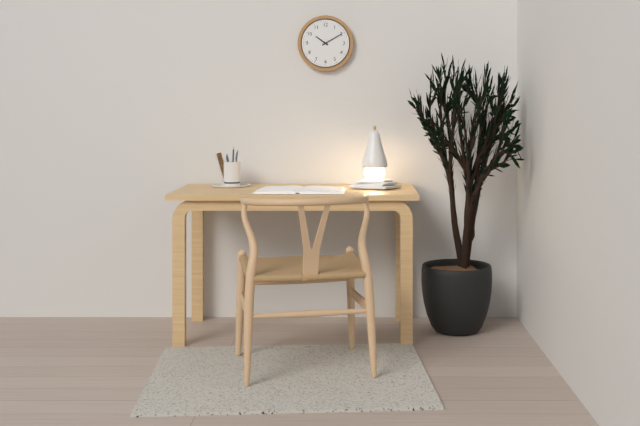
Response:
h=10 m=10
